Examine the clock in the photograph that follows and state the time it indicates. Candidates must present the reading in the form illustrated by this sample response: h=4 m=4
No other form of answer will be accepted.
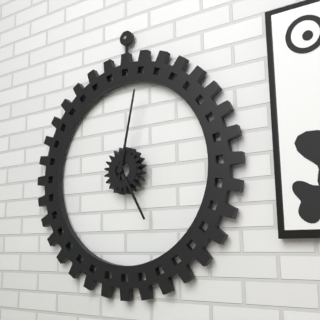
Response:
h=5 m=2
